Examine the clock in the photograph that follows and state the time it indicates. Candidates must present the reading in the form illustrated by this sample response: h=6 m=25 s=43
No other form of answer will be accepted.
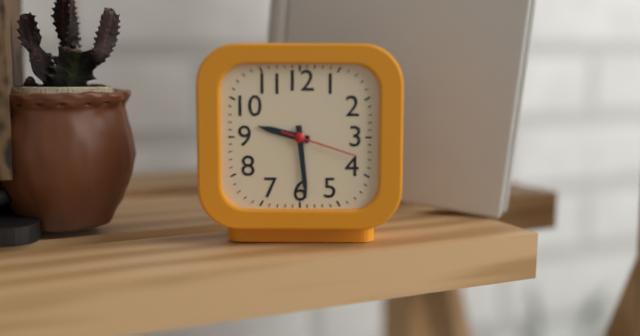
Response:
h=9 m=29 s=18
